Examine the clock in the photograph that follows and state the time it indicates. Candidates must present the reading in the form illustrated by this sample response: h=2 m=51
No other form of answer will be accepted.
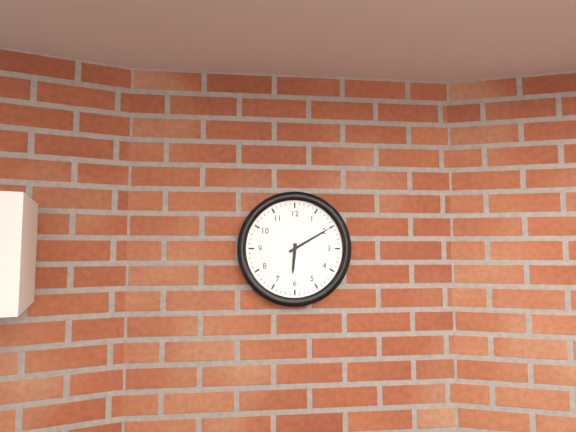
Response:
h=6 m=10
